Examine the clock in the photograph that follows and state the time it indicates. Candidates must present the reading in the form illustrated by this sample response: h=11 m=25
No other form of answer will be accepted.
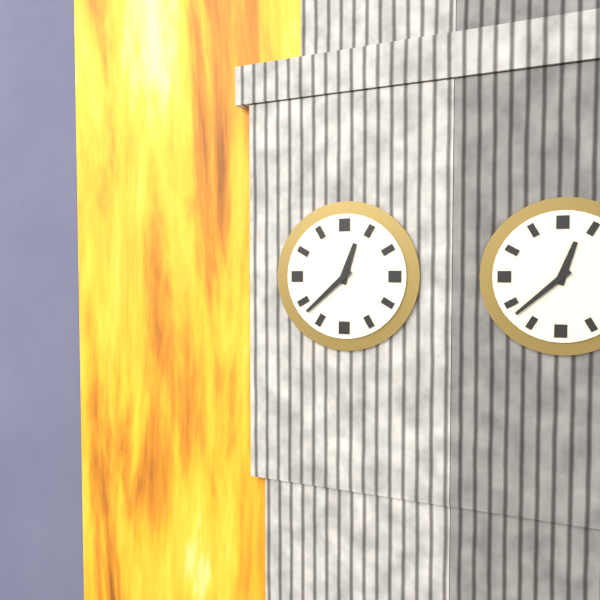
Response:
h=12 m=38
